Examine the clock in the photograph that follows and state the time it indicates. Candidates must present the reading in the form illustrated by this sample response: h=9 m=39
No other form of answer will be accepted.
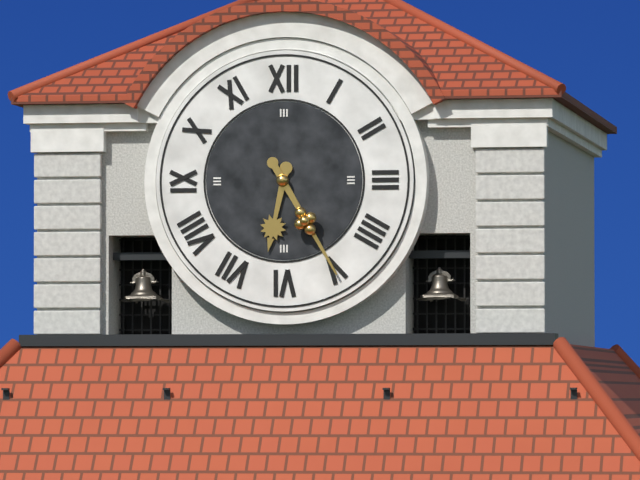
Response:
h=6 m=25
